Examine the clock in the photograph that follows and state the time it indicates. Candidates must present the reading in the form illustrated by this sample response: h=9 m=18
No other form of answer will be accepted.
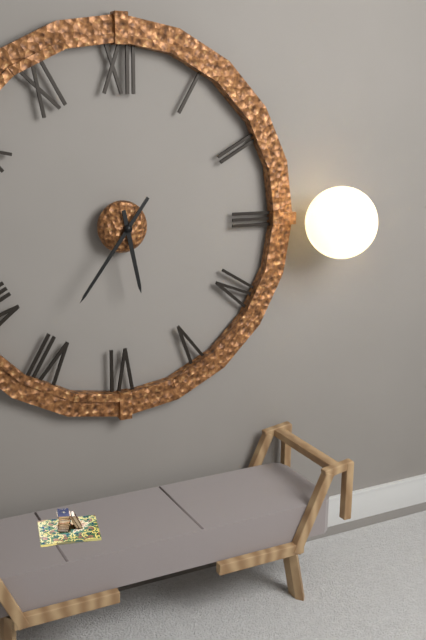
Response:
h=5 m=36
